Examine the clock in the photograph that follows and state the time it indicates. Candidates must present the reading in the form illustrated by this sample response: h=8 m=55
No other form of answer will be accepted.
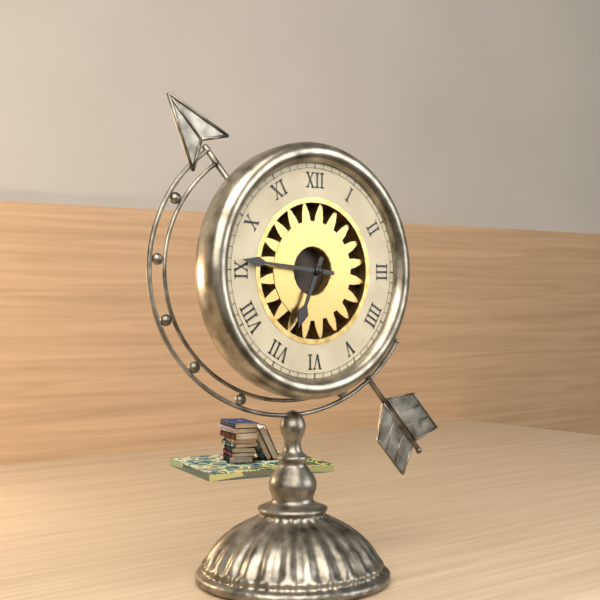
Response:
h=6 m=46
